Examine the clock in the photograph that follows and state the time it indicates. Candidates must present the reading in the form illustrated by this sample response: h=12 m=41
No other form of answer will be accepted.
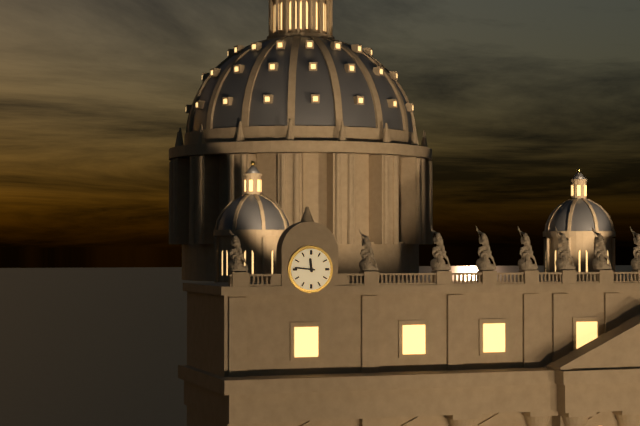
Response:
h=11 m=46
